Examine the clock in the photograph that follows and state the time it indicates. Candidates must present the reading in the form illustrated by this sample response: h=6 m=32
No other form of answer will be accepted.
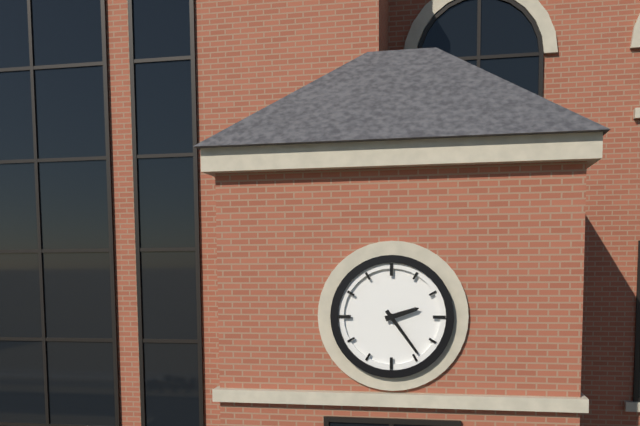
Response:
h=2 m=24
